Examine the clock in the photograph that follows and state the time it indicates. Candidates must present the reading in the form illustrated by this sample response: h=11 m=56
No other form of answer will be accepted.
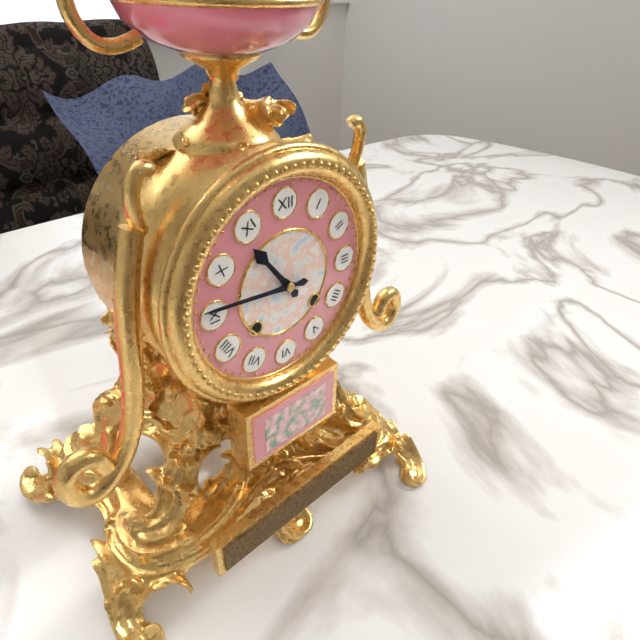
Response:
h=10 m=46
